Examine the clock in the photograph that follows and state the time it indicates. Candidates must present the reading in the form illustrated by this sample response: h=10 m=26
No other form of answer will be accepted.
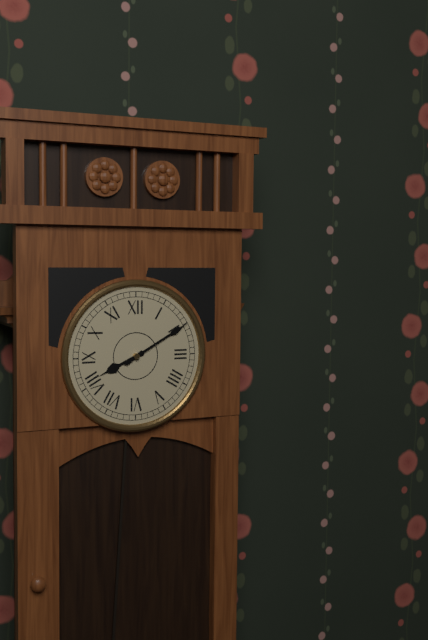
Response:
h=8 m=10
